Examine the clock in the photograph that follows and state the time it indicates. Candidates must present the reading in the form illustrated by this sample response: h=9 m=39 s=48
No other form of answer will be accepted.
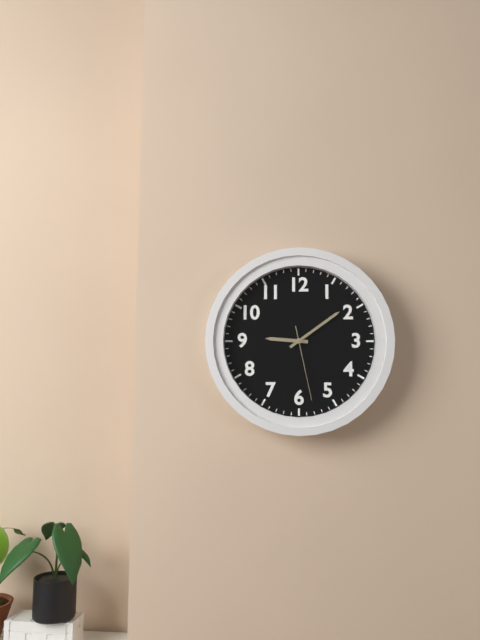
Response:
h=9 m=9 s=28
